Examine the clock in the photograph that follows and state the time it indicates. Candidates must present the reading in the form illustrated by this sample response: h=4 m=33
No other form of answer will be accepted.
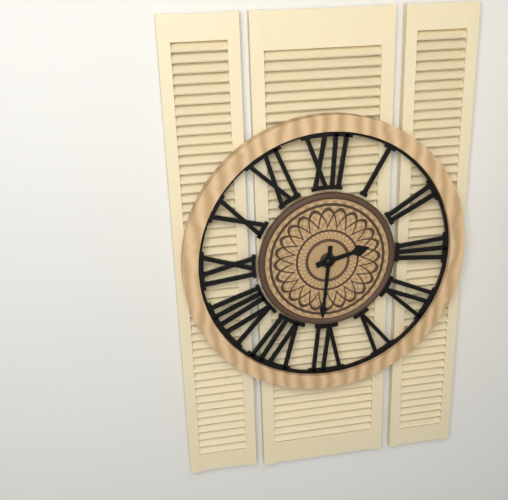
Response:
h=2 m=31
